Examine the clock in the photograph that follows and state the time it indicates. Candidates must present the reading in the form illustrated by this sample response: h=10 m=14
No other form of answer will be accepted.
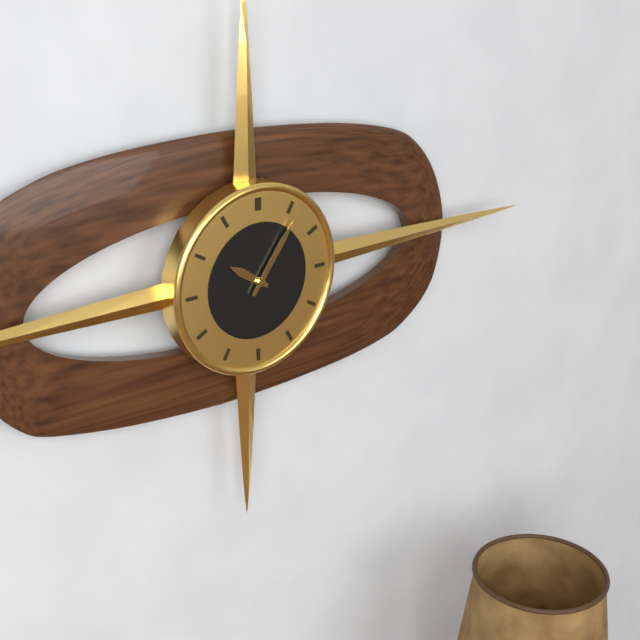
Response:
h=10 m=6
